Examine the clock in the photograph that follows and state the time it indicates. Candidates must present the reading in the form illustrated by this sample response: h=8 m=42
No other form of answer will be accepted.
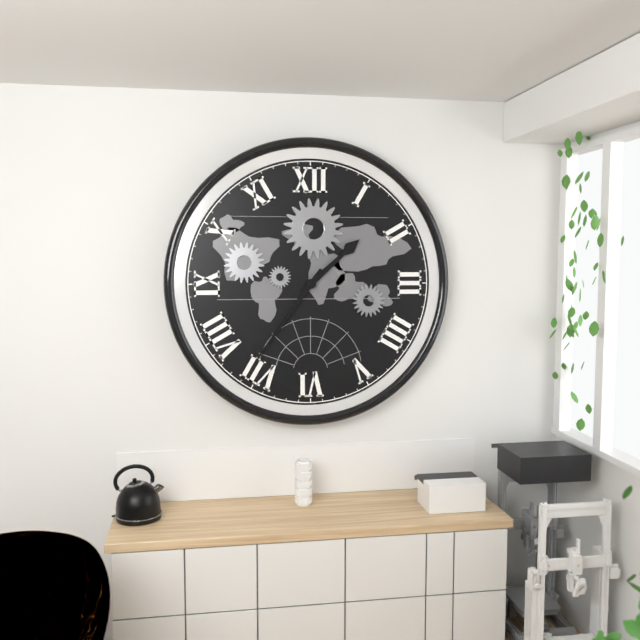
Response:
h=1 m=36
